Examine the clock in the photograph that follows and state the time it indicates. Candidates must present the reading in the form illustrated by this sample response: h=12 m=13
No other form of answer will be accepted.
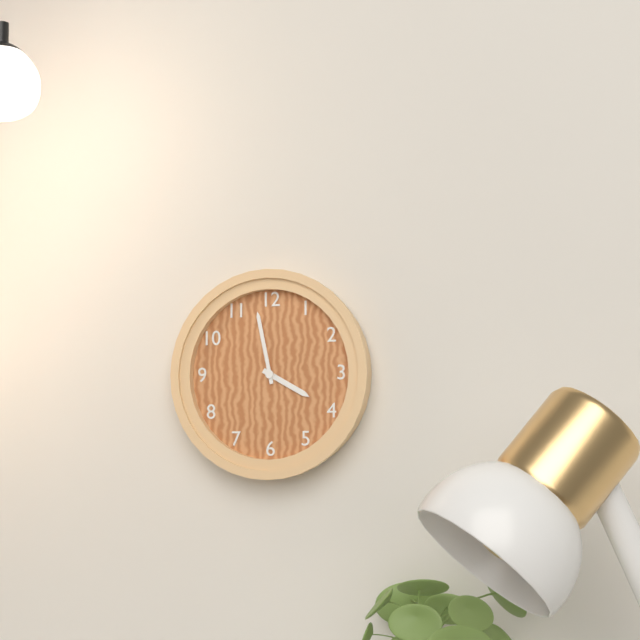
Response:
h=3 m=58
